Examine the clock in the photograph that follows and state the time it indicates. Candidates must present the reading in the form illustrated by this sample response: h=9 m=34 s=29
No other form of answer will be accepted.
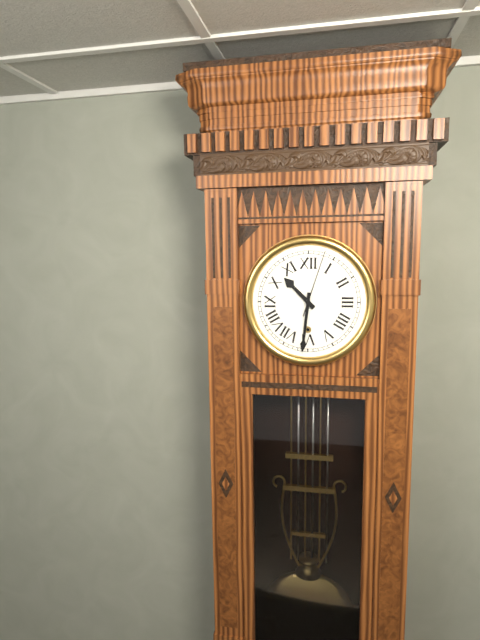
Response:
h=10 m=31 s=3
